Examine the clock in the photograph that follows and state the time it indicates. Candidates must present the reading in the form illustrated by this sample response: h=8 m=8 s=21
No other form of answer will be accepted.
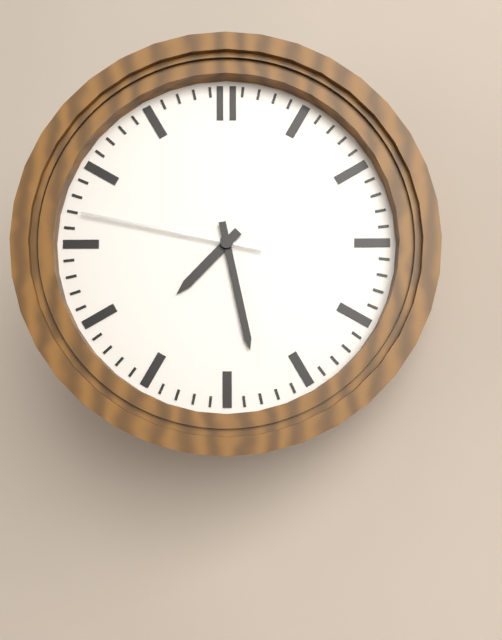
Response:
h=7 m=28 s=47
